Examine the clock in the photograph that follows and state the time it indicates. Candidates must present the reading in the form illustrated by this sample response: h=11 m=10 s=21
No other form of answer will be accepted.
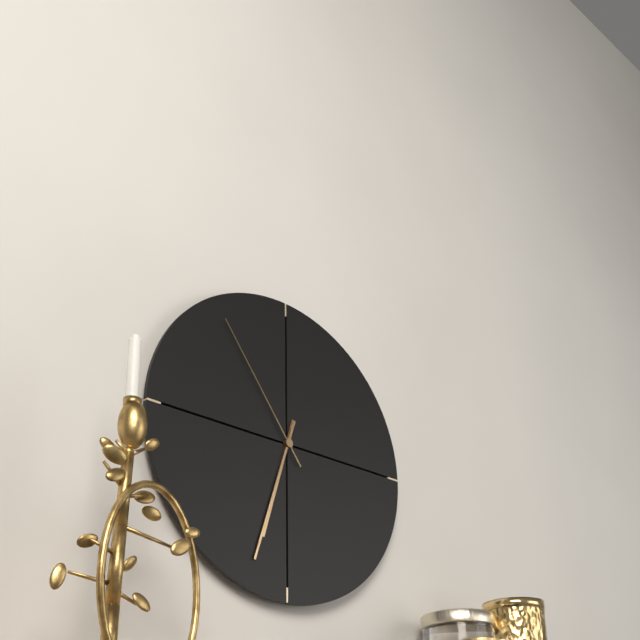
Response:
h=6 m=33 s=54
